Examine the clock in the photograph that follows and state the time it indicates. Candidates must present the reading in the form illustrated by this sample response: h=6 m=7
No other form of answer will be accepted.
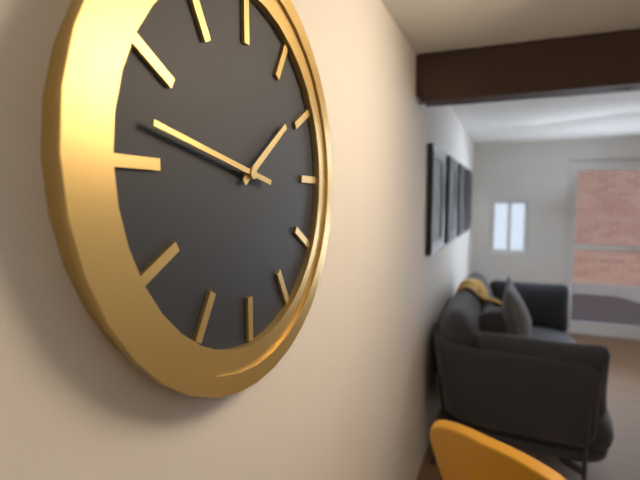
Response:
h=1 m=47
